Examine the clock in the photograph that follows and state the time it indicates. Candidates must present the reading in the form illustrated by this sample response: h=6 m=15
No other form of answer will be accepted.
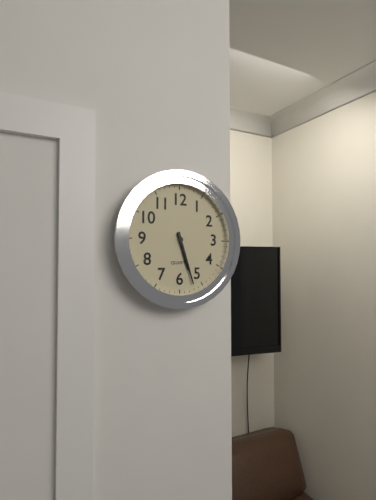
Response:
h=5 m=27
